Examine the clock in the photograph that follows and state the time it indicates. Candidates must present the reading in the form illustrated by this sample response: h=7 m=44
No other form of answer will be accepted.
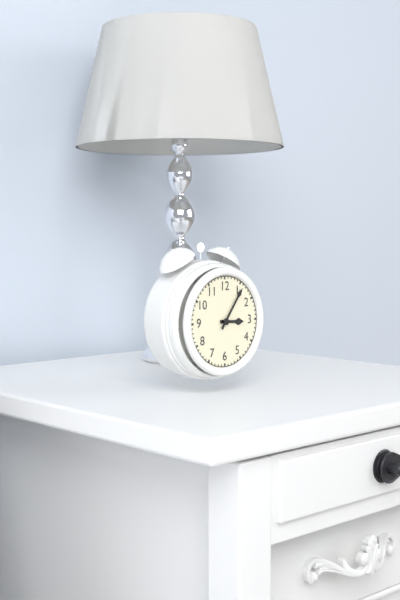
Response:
h=3 m=6
